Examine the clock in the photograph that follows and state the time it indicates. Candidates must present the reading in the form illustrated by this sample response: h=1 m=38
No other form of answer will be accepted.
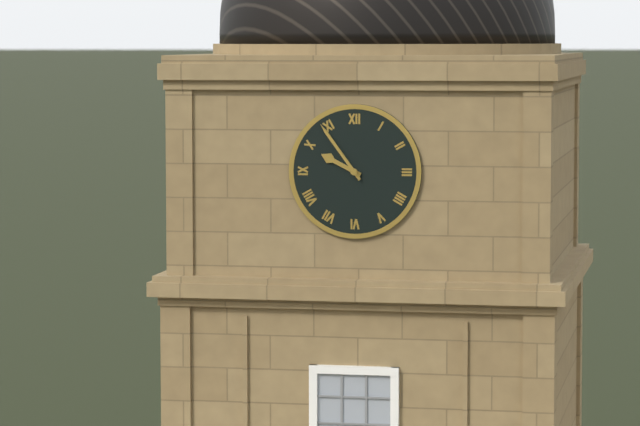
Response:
h=9 m=54
